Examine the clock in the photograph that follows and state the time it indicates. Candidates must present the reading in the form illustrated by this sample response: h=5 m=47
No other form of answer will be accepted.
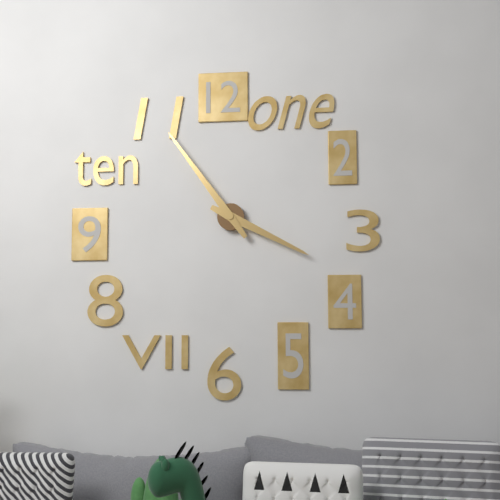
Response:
h=3 m=54
